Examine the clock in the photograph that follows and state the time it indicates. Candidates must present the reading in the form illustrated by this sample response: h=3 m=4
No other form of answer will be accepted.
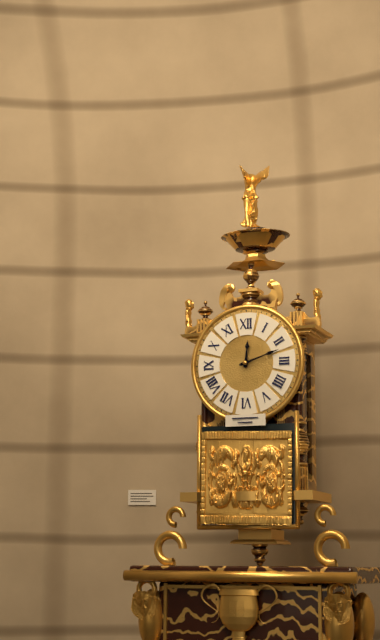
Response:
h=12 m=12
